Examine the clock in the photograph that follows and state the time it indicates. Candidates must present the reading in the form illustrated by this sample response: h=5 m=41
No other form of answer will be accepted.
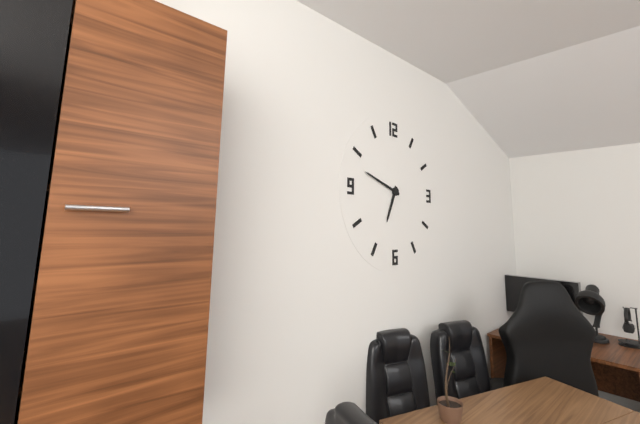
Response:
h=6 m=48
